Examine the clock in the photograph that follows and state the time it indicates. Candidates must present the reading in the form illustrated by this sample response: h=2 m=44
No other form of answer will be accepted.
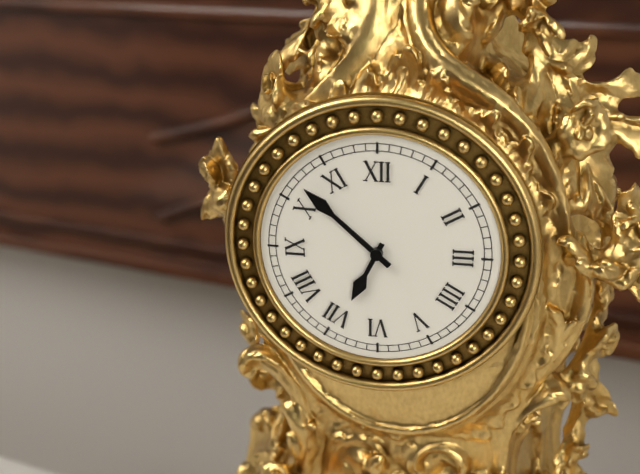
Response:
h=6 m=52
